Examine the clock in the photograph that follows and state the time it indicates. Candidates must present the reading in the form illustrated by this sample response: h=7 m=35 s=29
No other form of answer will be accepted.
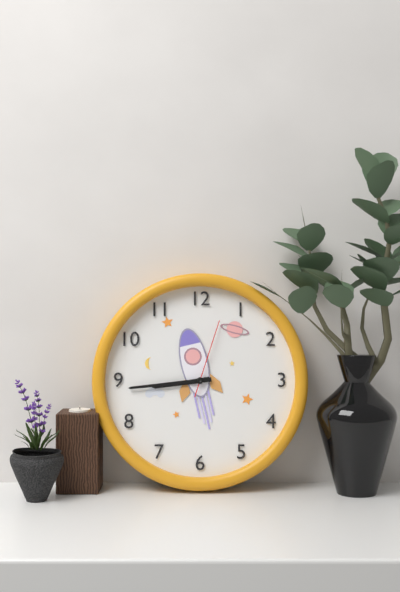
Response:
h=8 m=44 s=3
